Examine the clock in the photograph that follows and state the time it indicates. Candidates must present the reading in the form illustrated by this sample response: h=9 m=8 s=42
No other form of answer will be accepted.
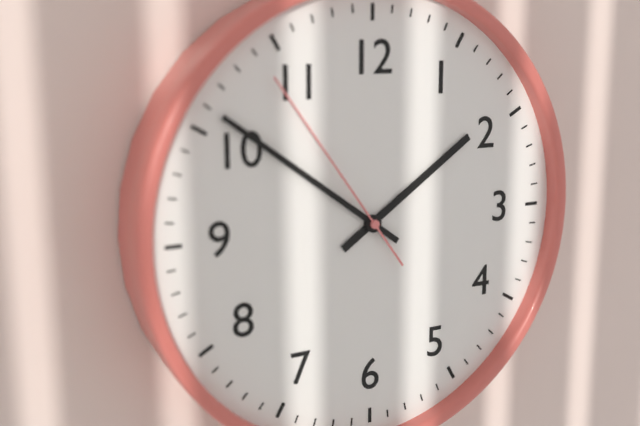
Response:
h=1 m=51 s=54
